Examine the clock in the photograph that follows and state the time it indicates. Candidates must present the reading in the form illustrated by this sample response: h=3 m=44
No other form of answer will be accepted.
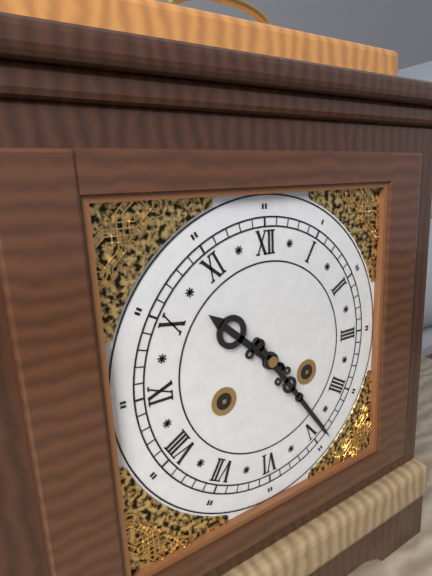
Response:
h=10 m=24
